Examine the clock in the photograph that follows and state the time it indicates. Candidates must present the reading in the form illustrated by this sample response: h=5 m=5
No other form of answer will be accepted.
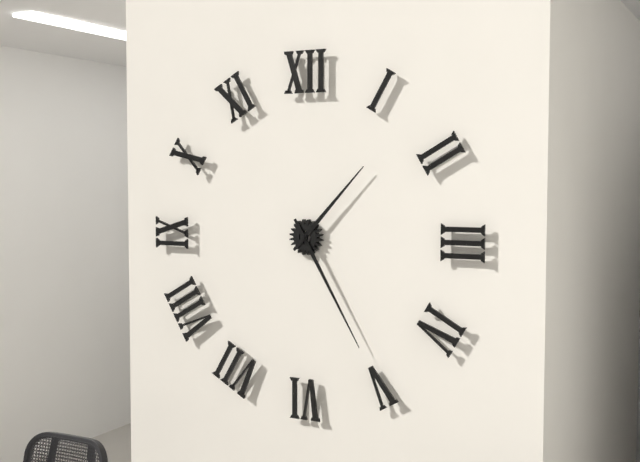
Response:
h=1 m=25
